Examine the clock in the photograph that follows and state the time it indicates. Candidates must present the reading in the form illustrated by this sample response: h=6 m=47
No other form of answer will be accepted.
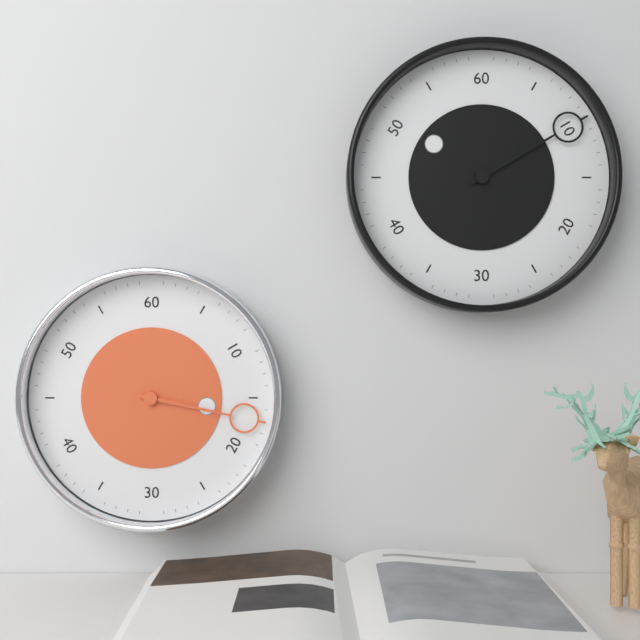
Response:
h=3 m=17
